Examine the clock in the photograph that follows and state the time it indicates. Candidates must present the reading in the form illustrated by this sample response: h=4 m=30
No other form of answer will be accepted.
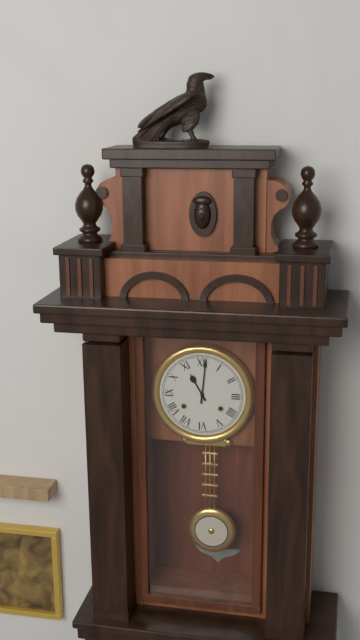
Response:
h=11 m=1
